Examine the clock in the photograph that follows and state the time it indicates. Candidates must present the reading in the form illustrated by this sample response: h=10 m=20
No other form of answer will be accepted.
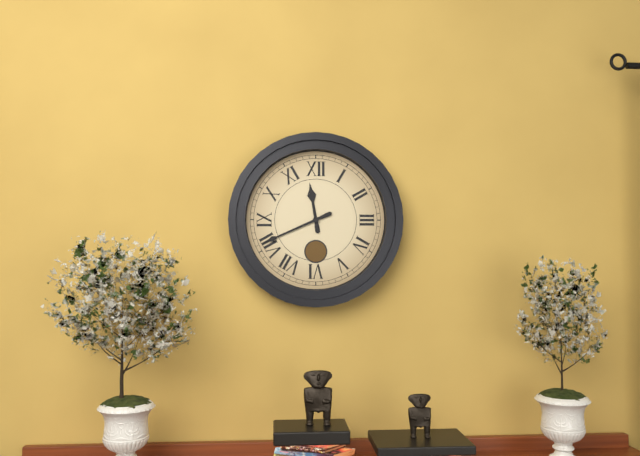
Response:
h=11 m=41
